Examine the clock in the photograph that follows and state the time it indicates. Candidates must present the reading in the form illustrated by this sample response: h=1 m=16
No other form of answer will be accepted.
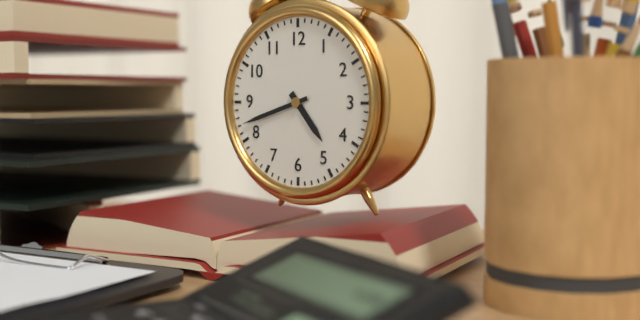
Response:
h=4 m=42
